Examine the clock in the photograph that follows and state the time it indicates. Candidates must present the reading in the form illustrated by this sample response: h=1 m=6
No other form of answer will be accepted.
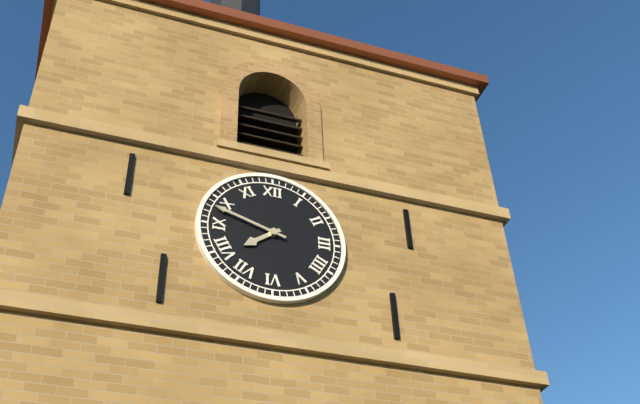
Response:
h=7 m=48
